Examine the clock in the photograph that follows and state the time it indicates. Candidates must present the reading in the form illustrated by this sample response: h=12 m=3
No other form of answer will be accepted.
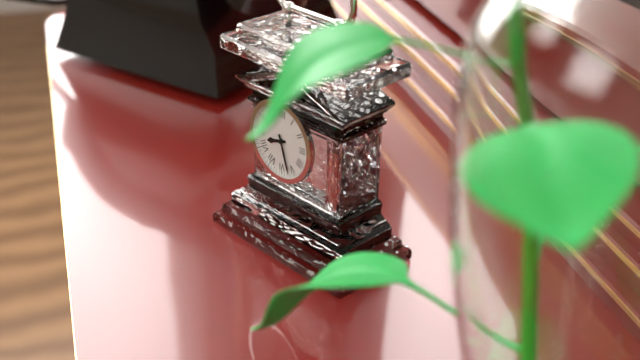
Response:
h=8 m=27
